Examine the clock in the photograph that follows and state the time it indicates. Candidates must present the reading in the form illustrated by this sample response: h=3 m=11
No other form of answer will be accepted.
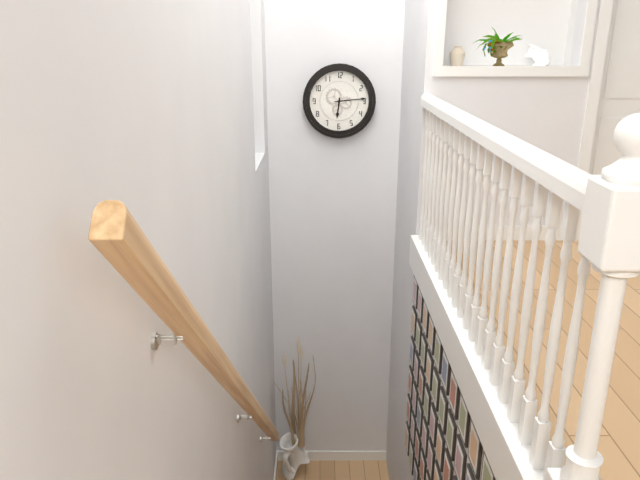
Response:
h=6 m=14
